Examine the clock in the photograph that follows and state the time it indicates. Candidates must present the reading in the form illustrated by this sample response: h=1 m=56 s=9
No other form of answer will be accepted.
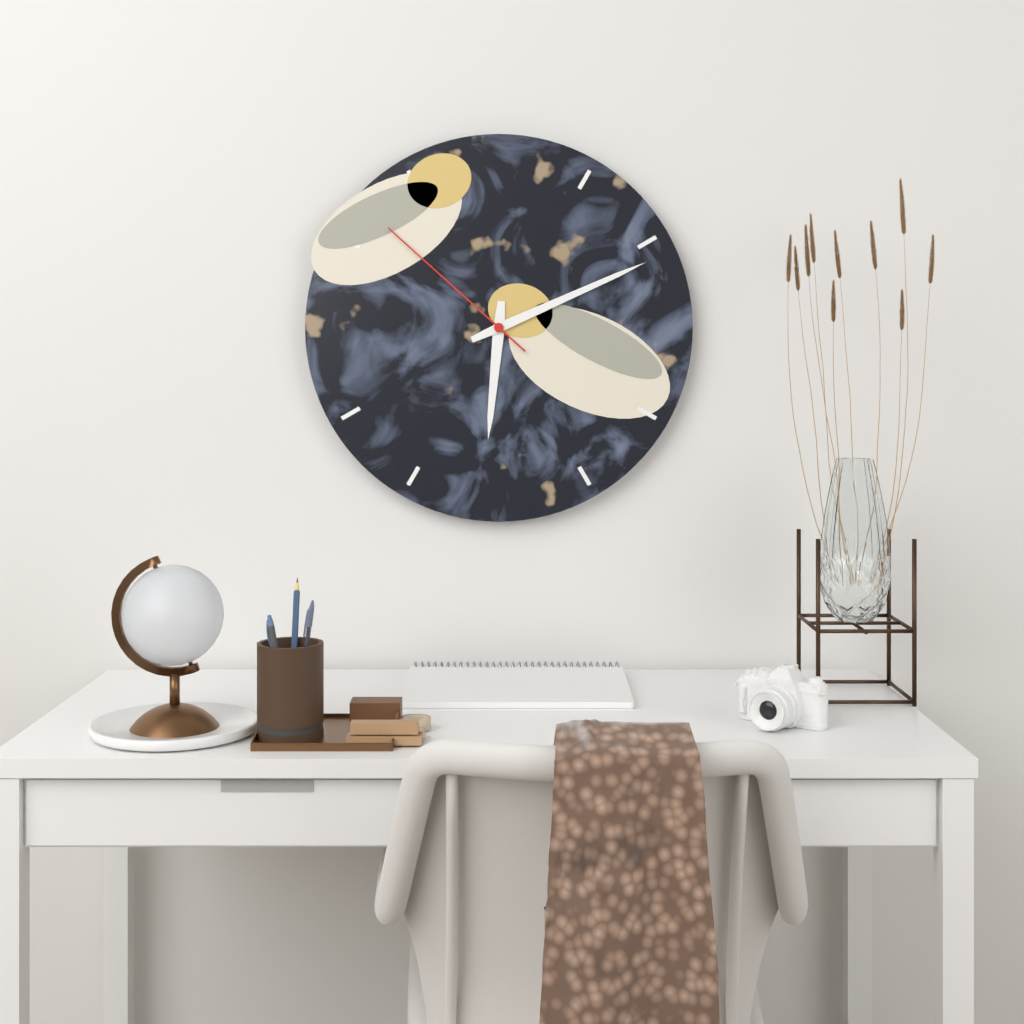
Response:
h=6 m=11 s=52
